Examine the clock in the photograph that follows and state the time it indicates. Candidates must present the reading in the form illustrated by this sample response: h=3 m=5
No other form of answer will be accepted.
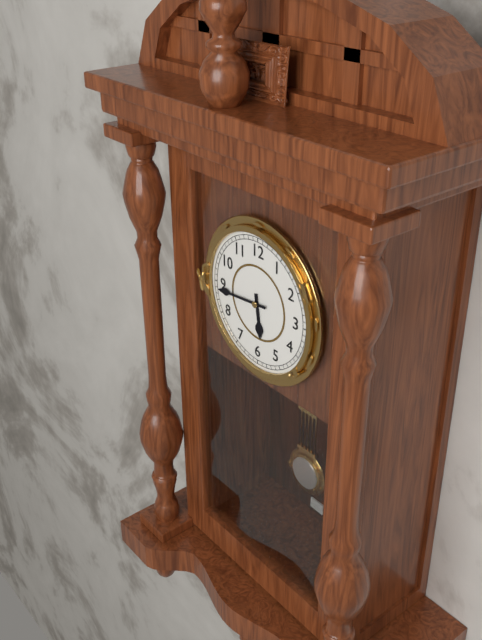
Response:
h=5 m=44
